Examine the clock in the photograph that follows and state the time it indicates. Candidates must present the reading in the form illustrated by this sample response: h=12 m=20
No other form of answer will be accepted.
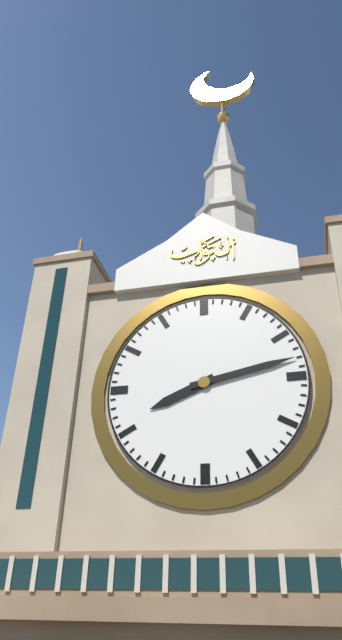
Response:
h=8 m=13
